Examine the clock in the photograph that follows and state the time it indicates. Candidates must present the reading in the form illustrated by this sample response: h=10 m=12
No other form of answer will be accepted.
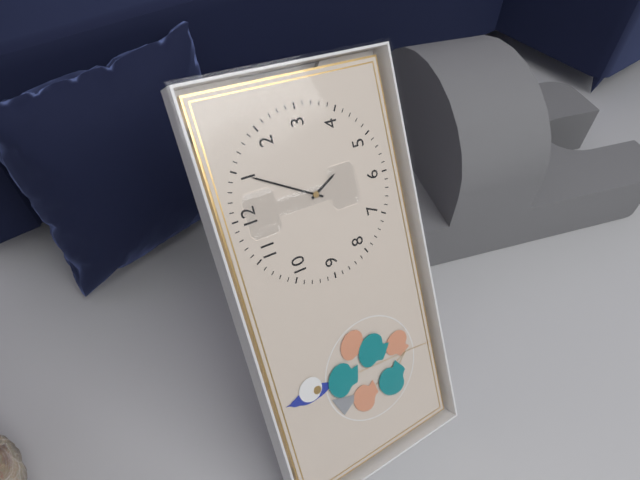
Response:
h=5 m=5
